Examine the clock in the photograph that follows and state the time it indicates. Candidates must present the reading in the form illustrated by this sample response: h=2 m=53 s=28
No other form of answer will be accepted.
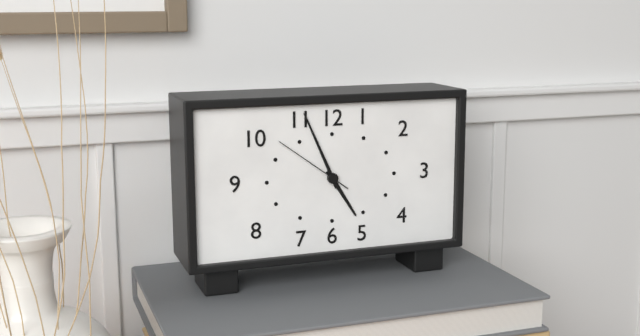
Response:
h=4 m=56 s=51
